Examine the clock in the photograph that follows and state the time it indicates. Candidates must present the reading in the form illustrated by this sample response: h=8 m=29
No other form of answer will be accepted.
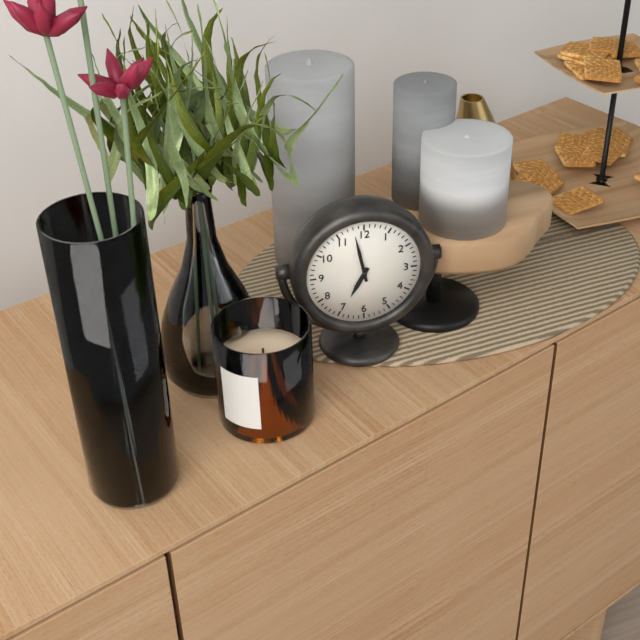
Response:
h=6 m=58
